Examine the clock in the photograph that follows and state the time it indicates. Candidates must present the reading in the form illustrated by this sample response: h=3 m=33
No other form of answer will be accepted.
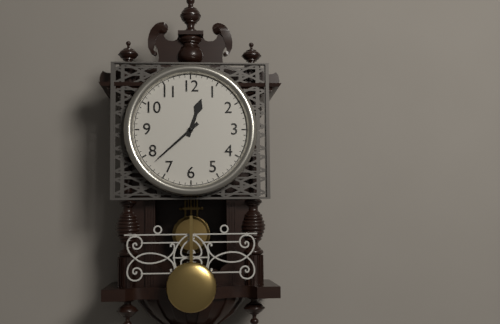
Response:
h=12 m=38
